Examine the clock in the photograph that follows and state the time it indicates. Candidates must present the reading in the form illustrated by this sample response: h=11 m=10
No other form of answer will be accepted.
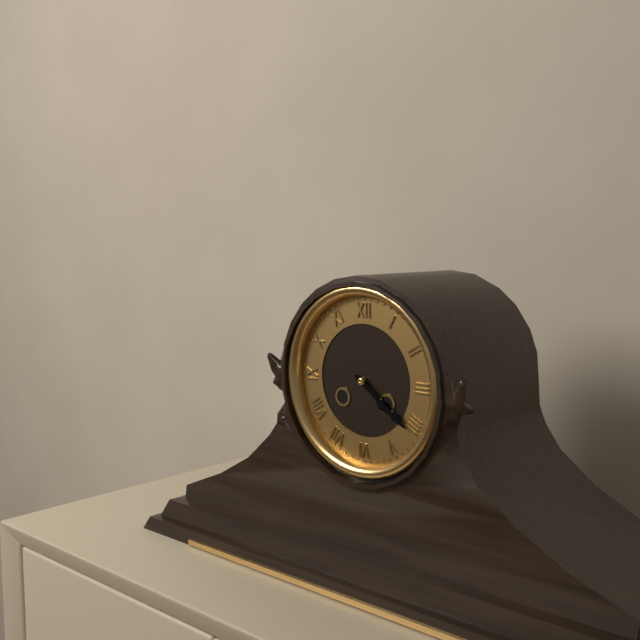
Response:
h=4 m=21
